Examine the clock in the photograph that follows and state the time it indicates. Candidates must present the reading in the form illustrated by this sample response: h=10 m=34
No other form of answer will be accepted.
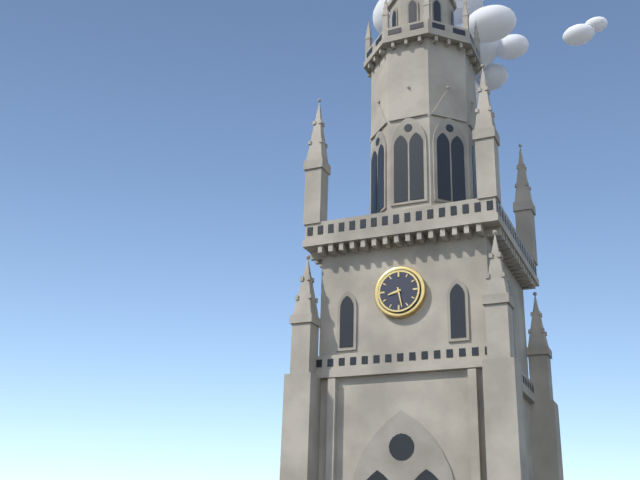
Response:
h=8 m=28
